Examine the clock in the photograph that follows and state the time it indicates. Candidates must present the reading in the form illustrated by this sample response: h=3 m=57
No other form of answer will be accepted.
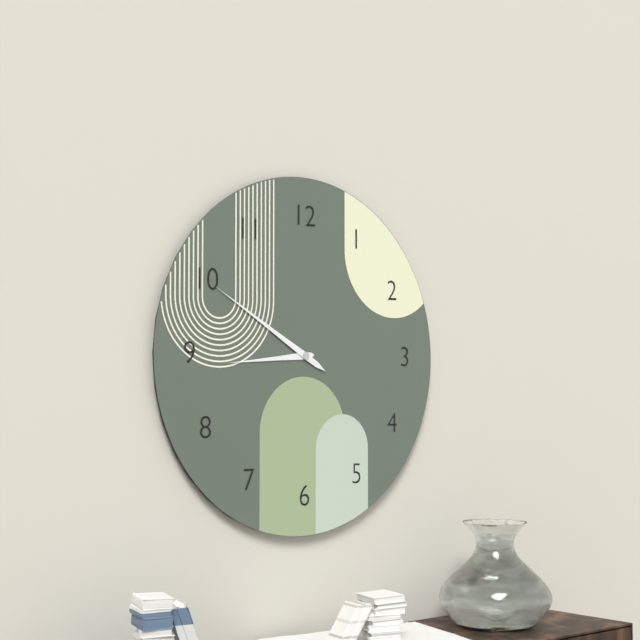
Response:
h=8 m=50
